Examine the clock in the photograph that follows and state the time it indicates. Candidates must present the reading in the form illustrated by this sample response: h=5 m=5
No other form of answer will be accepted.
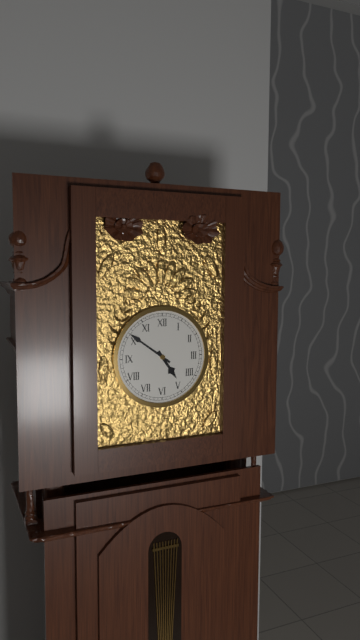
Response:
h=4 m=51
